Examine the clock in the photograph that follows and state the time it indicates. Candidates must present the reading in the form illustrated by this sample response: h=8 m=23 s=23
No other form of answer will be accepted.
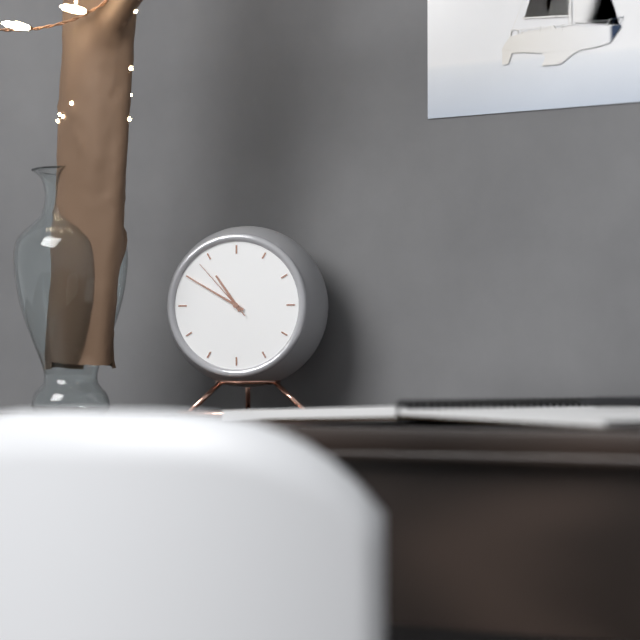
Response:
h=10 m=50 s=53
